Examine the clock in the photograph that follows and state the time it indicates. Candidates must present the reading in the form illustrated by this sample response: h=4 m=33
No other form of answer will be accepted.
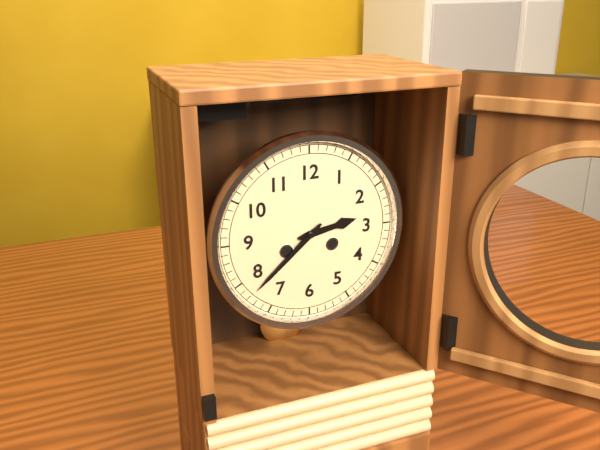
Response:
h=2 m=38
